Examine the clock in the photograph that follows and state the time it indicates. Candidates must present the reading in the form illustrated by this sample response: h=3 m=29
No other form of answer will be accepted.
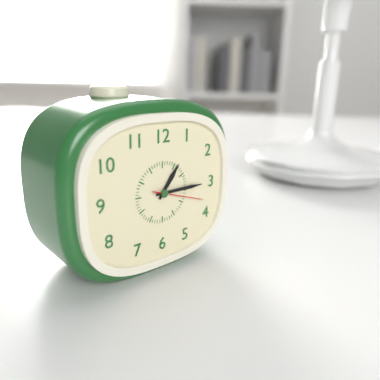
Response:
h=1 m=15
